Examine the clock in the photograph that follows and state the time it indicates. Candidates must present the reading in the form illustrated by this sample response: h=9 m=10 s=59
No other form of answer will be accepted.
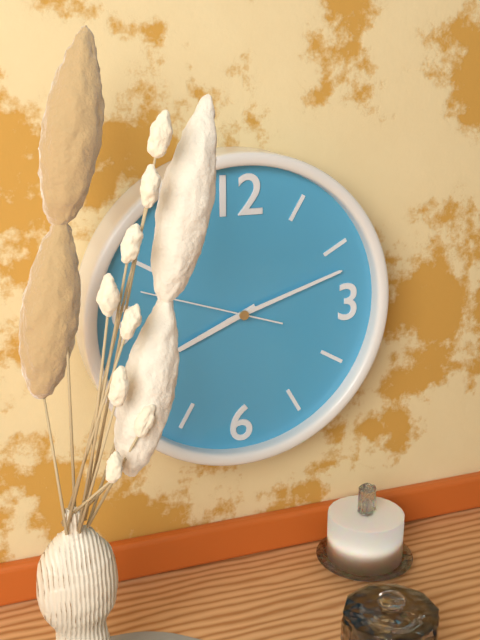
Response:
h=8 m=12 s=48
